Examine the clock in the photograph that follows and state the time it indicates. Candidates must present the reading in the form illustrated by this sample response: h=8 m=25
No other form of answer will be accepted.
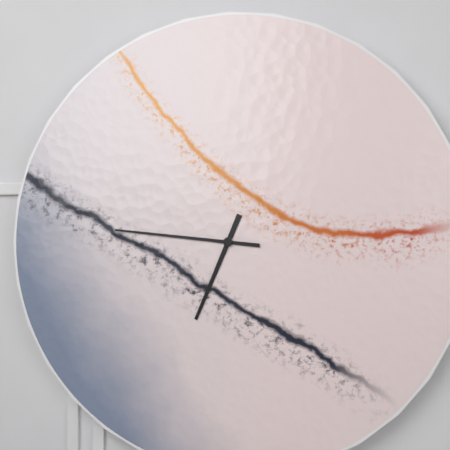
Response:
h=6 m=46
